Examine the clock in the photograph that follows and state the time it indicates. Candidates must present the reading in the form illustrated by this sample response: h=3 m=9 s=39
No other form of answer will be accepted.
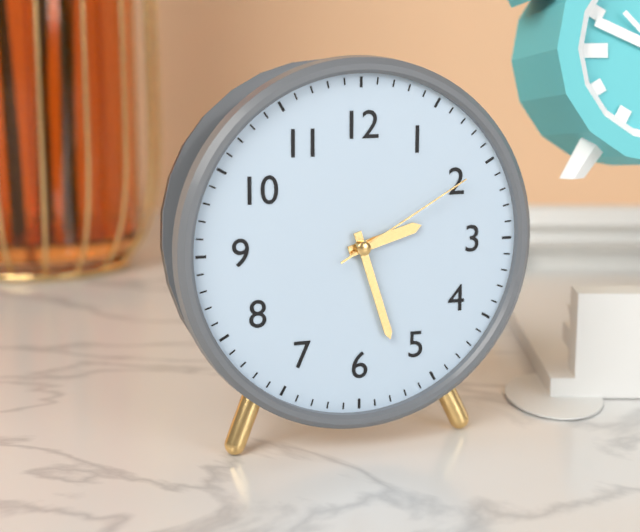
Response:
h=2 m=27 s=10
